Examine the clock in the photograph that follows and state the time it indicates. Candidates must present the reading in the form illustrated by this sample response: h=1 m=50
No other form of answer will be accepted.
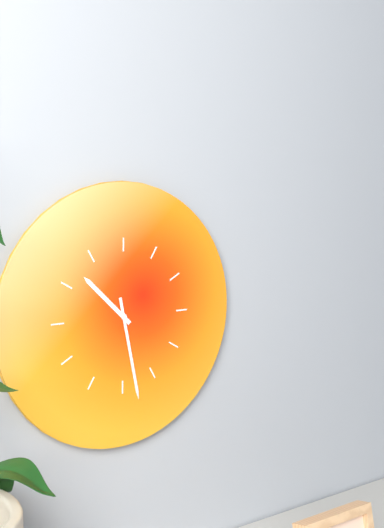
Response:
h=10 m=28
